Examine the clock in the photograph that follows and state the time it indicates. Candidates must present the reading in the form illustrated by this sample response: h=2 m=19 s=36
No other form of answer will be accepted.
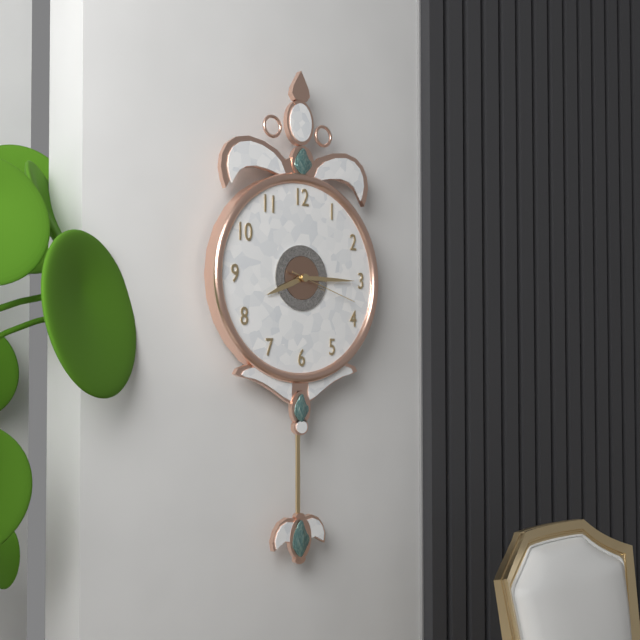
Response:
h=8 m=15 s=18
